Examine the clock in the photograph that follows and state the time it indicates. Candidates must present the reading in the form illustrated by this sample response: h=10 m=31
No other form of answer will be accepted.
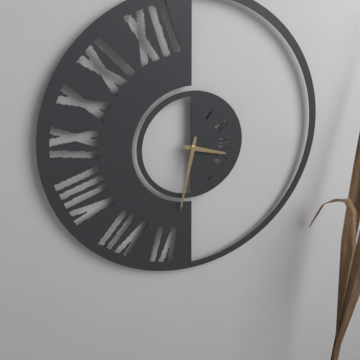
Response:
h=3 m=32
